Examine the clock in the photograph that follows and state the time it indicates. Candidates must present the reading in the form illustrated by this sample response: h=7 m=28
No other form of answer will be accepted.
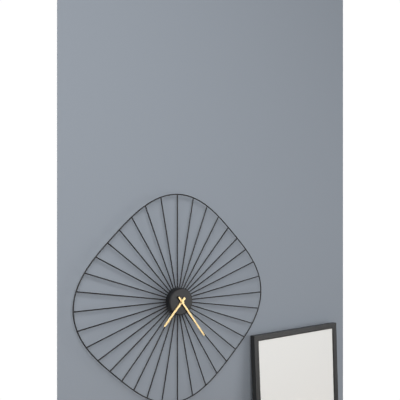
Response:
h=7 m=24
